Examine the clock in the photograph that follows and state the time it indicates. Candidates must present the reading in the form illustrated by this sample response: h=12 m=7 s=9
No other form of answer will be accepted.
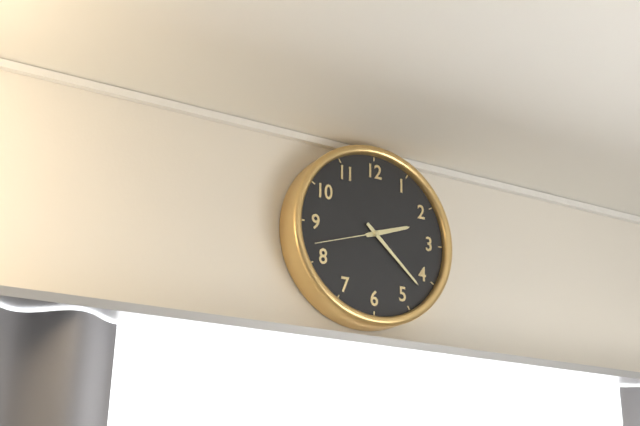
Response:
h=2 m=22 s=42
